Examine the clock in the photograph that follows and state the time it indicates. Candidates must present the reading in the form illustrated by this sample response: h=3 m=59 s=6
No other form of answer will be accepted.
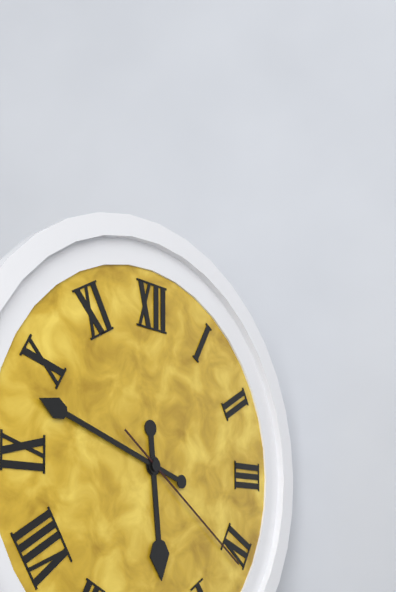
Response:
h=5 m=48 s=21
